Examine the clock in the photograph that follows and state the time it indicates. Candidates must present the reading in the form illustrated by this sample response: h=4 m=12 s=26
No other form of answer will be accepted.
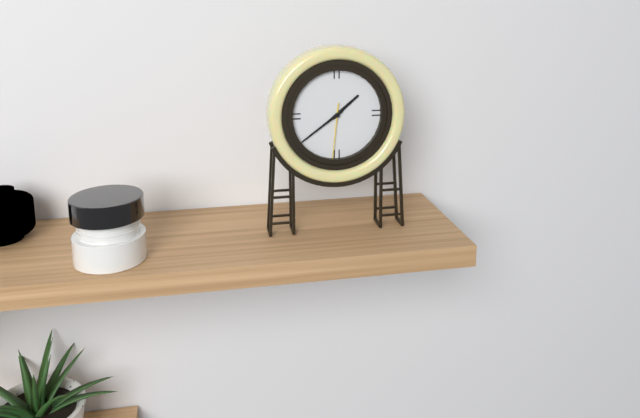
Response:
h=1 m=39 s=31
